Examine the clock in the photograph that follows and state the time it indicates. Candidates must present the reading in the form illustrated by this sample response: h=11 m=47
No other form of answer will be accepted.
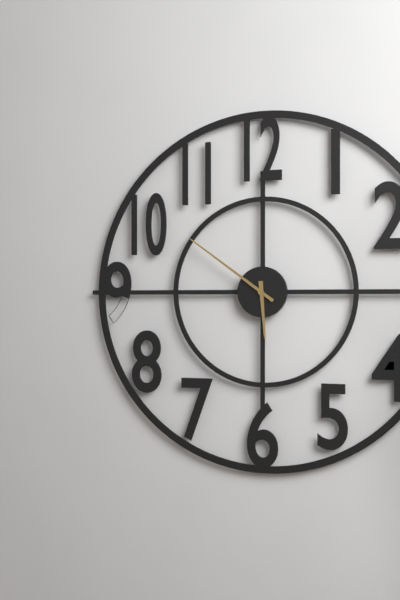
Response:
h=5 m=51
